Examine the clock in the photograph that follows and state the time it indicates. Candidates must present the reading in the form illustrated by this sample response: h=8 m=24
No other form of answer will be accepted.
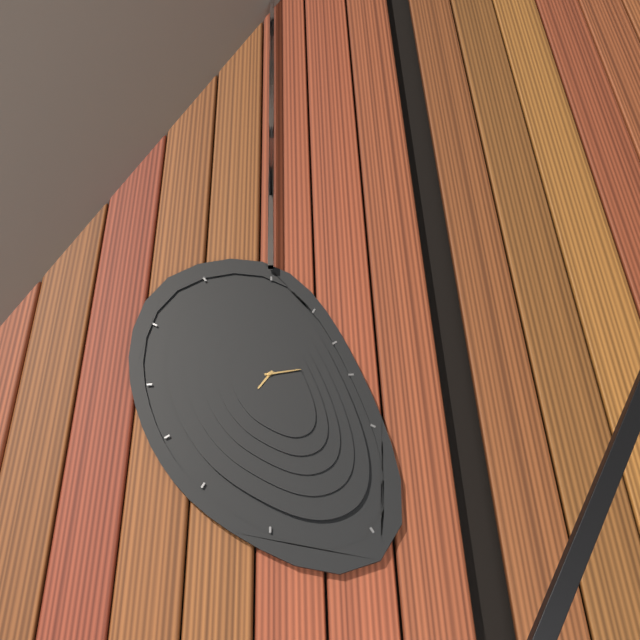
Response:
h=7 m=14
